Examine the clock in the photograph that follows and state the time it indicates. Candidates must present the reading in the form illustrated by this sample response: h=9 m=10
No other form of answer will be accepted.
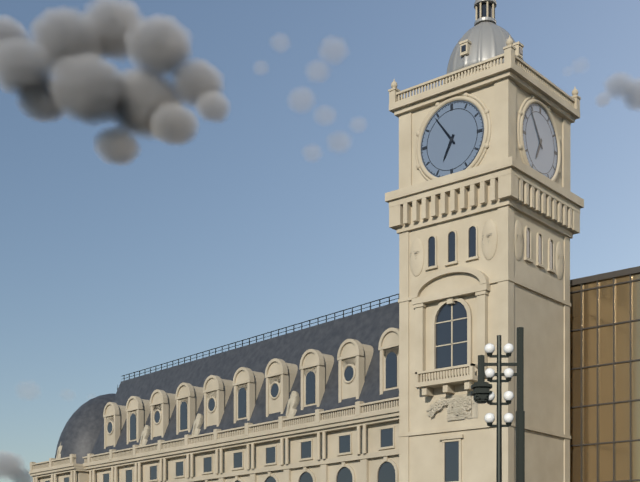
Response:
h=6 m=54
